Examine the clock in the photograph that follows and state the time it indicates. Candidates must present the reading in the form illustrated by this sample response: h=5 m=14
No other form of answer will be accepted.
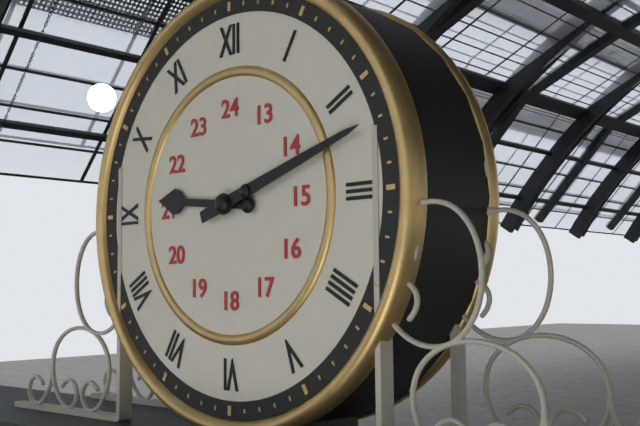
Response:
h=9 m=12
